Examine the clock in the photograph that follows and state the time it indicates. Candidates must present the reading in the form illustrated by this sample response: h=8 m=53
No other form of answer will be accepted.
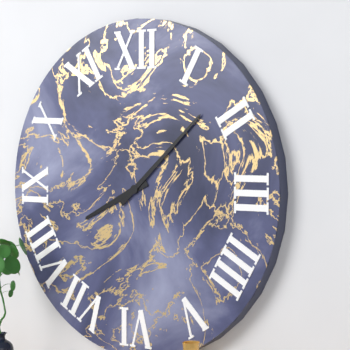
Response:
h=8 m=8
